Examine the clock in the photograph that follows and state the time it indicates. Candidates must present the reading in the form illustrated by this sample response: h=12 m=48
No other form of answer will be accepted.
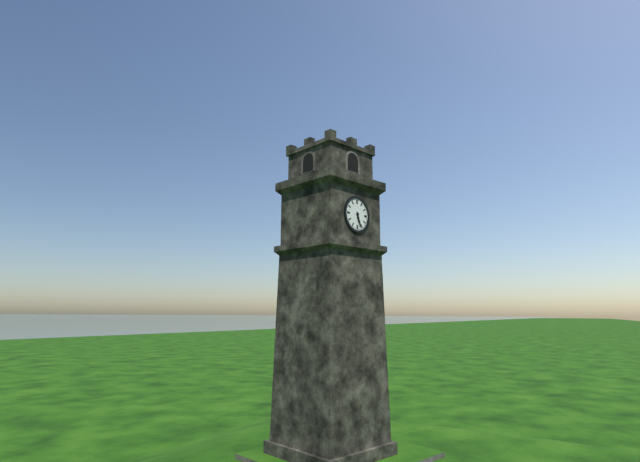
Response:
h=5 m=27
